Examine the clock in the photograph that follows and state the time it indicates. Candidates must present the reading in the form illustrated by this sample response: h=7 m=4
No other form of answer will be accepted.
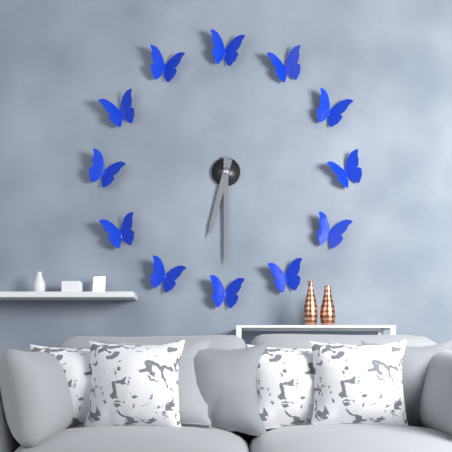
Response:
h=6 m=30
